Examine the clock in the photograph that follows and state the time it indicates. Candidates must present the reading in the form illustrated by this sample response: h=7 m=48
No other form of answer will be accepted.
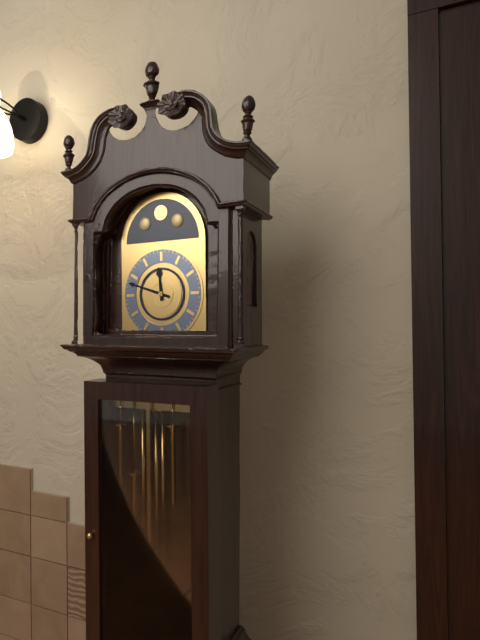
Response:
h=11 m=48
